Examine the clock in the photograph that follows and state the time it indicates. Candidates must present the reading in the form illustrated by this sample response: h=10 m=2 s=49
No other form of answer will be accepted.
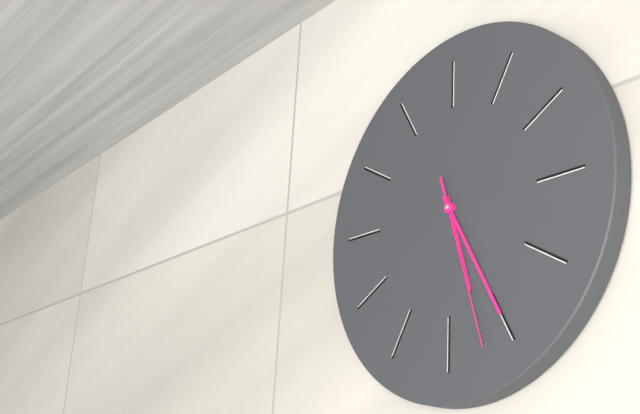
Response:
h=5 m=25 s=27
